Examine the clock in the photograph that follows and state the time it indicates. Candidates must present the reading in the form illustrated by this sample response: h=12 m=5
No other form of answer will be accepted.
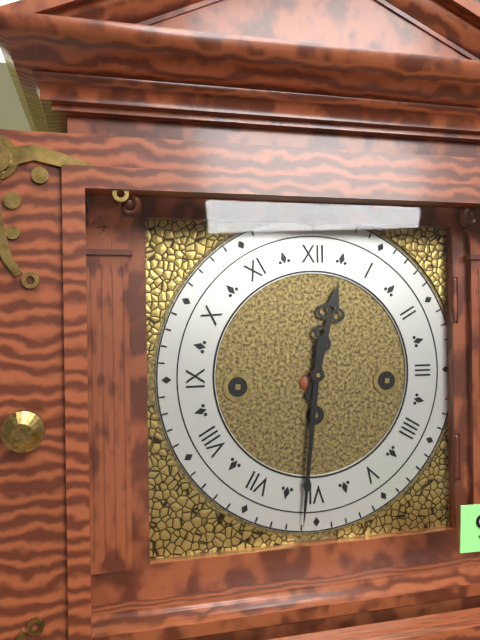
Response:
h=12 m=31
